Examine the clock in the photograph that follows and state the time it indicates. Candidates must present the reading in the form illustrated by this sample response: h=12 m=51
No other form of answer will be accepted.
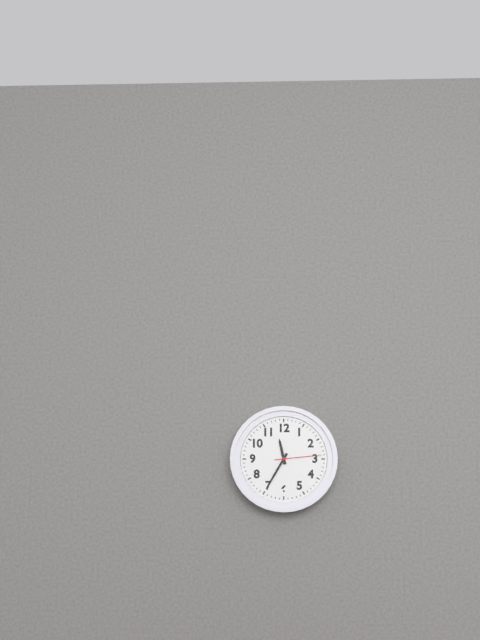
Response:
h=11 m=35
